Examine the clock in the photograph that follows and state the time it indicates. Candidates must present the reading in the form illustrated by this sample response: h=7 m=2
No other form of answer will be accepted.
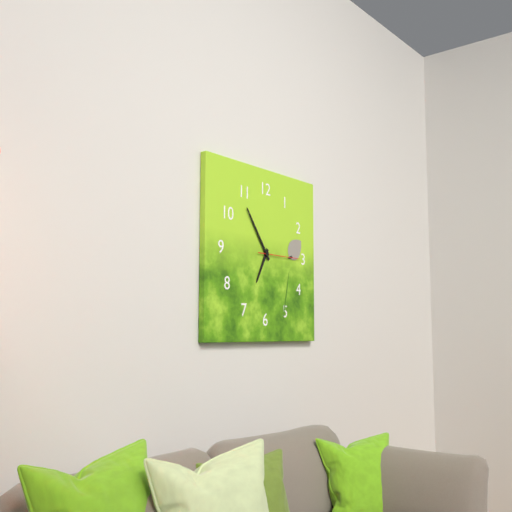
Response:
h=6 m=54
